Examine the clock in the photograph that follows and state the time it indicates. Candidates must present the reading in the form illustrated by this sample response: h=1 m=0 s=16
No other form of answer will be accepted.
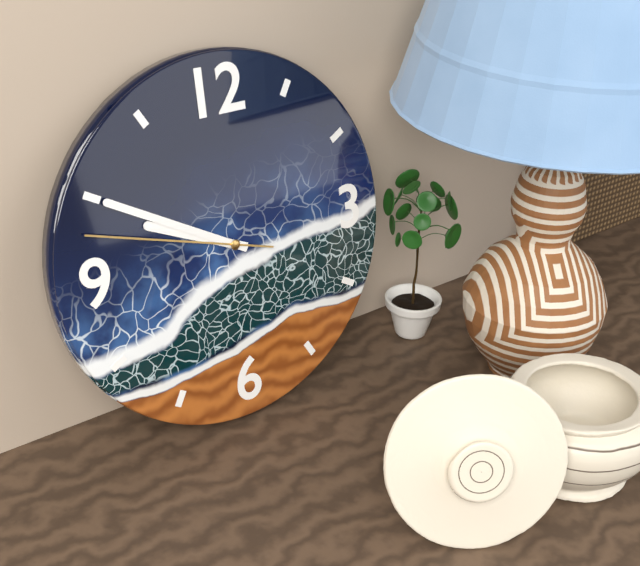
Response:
h=9 m=50 s=48
